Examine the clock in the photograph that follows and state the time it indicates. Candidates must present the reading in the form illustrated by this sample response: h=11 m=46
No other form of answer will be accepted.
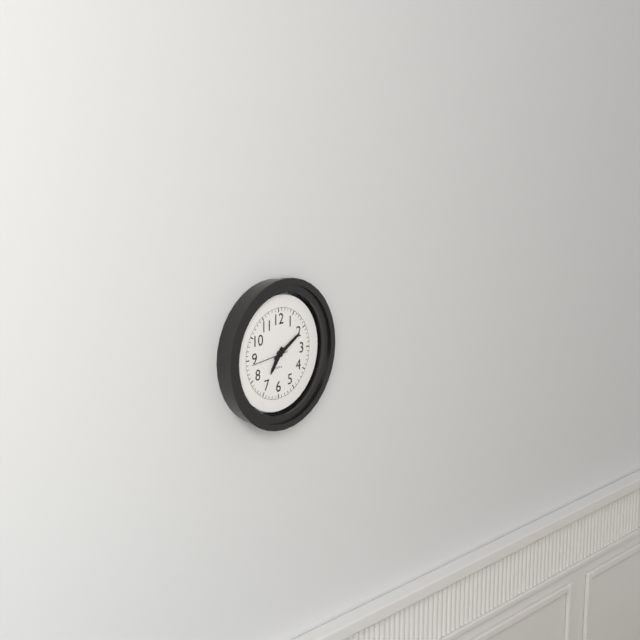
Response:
h=7 m=10
